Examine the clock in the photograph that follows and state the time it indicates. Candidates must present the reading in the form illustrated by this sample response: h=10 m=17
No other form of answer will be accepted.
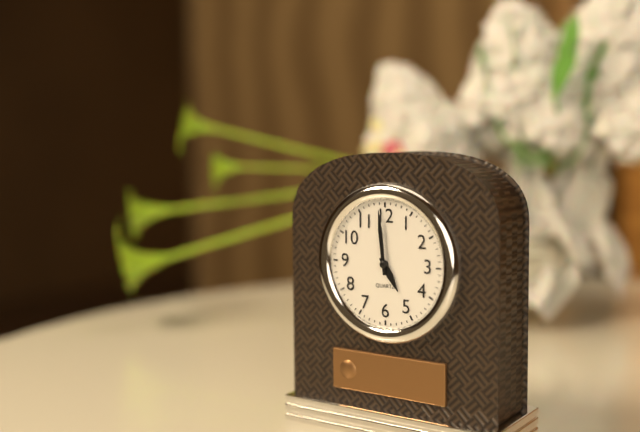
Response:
h=4 m=59
